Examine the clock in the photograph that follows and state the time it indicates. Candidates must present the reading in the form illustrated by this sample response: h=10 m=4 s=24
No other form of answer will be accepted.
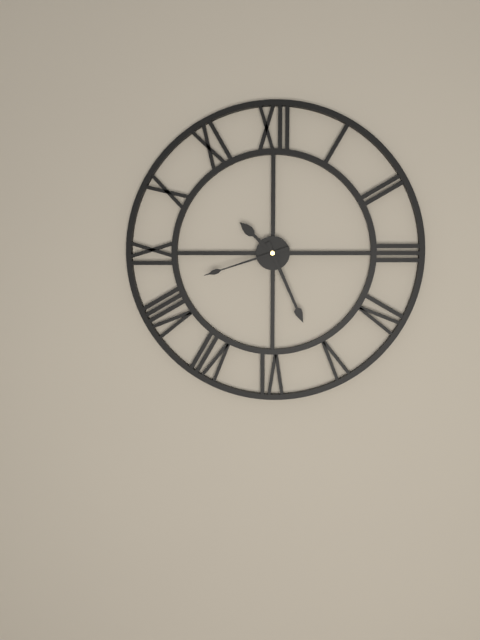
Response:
h=10 m=26 s=42
